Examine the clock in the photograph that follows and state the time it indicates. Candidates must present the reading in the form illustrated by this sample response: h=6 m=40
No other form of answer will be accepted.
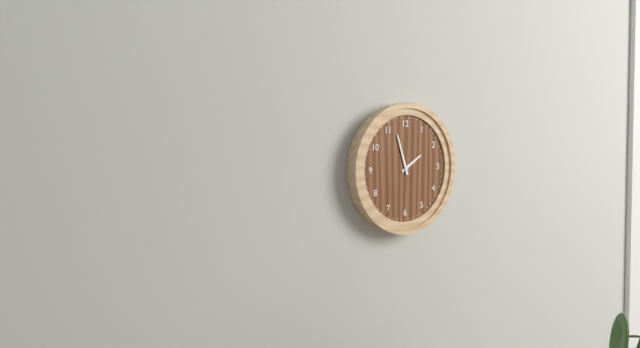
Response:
h=1 m=57
